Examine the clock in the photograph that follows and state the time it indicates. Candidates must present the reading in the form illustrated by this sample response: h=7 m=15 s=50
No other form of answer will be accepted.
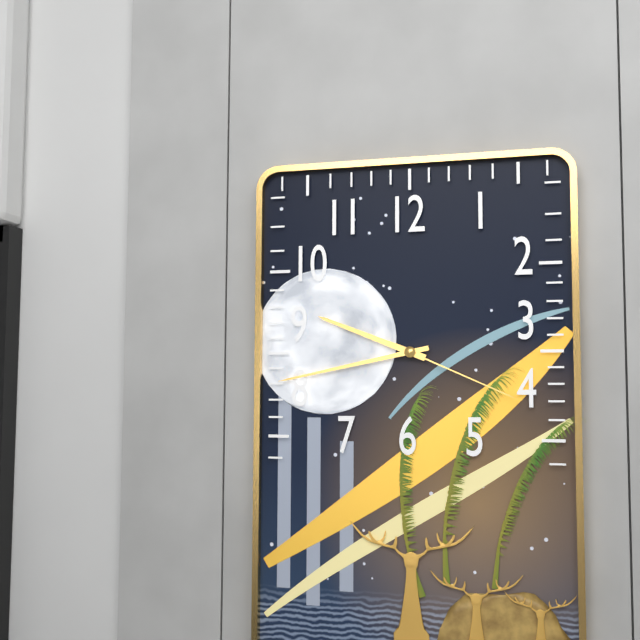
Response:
h=9 m=43 s=19
